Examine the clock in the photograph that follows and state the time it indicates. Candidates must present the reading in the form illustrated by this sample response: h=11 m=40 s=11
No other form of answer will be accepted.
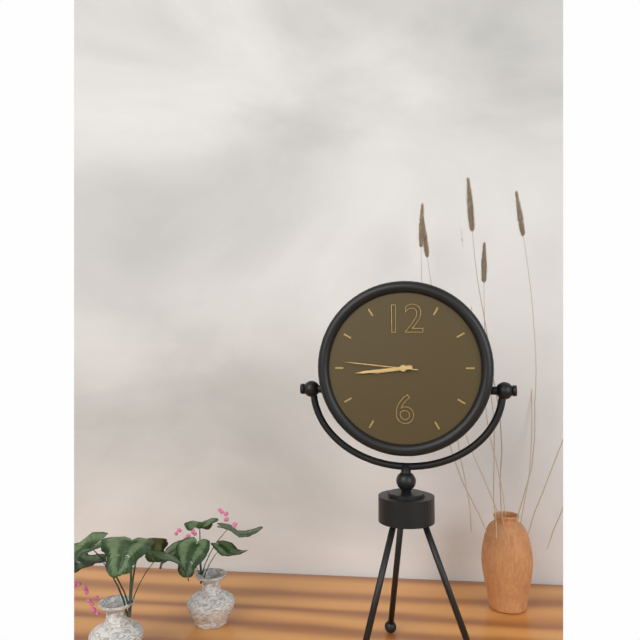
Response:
h=8 m=44 s=46
